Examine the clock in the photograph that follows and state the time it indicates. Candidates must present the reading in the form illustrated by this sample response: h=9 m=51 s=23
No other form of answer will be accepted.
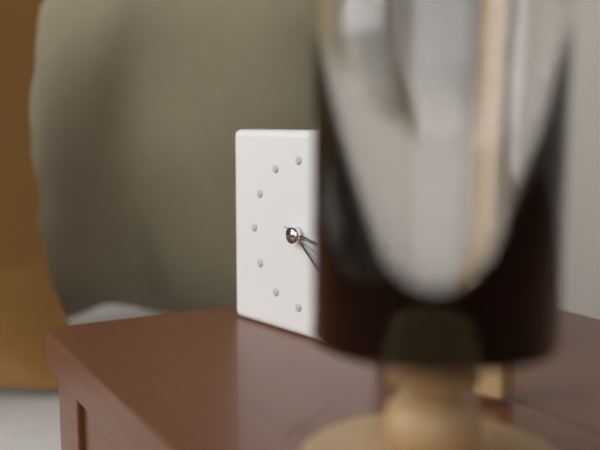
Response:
h=3 m=22 s=19
